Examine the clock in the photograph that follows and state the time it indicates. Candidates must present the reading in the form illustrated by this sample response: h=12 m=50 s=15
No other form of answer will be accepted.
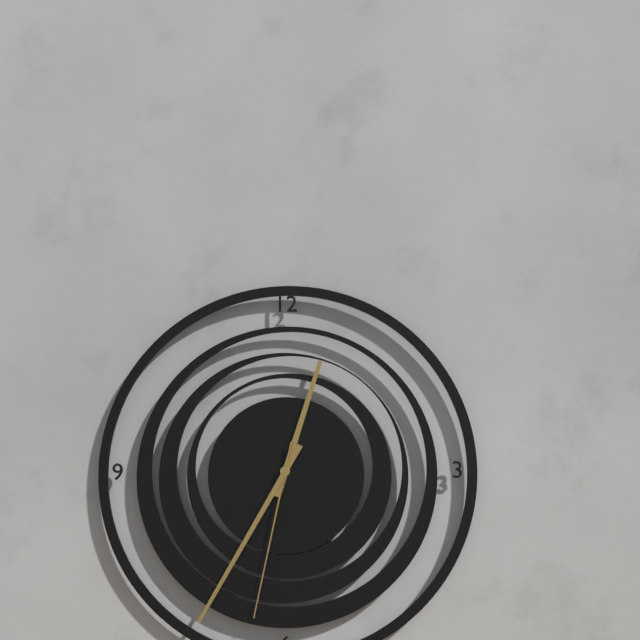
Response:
h=12 m=35 s=32
